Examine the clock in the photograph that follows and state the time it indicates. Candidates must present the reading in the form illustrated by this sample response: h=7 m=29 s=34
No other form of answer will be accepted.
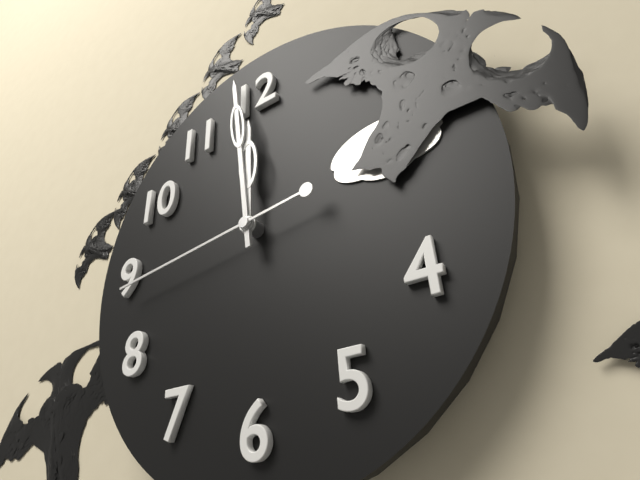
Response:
h=11 m=59 s=44
